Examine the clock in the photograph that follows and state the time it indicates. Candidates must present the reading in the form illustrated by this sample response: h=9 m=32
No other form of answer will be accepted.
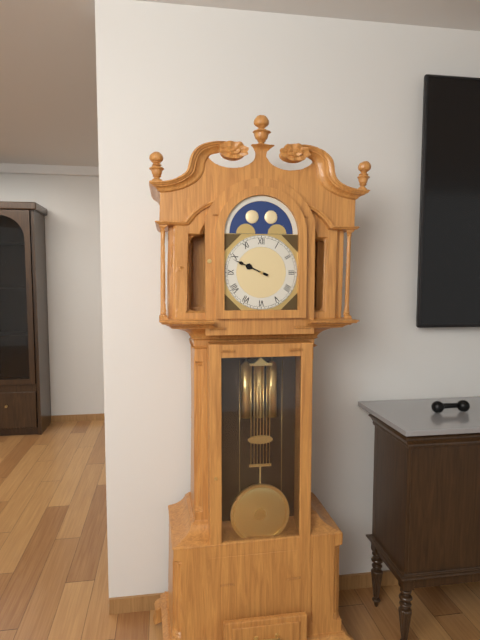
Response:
h=9 m=49
